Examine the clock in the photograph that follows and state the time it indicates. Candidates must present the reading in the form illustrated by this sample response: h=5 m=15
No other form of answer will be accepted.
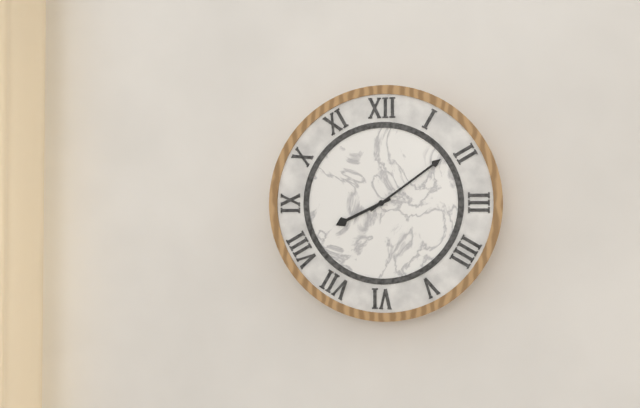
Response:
h=8 m=9
